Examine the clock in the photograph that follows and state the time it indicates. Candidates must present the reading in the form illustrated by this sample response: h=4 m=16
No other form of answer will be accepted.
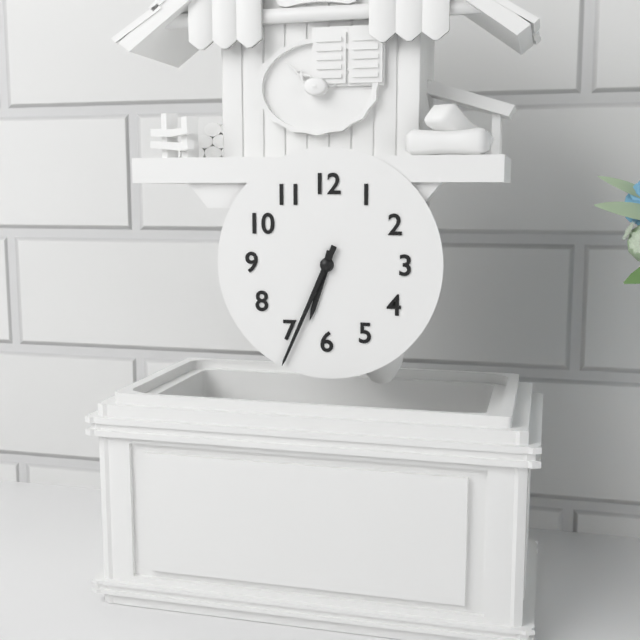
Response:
h=6 m=34
